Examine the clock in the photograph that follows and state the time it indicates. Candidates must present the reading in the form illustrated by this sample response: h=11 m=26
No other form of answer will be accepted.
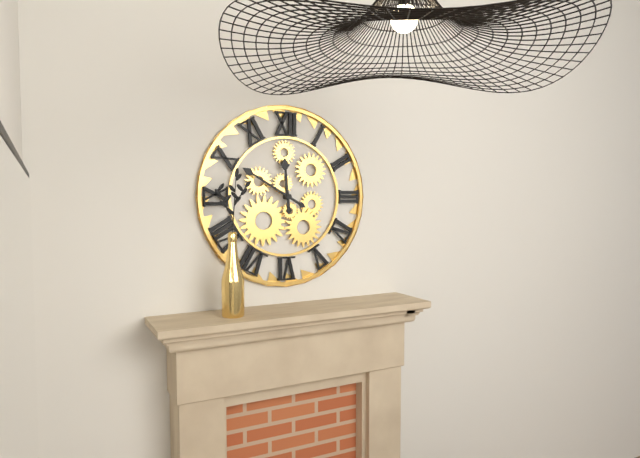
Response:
h=11 m=50
